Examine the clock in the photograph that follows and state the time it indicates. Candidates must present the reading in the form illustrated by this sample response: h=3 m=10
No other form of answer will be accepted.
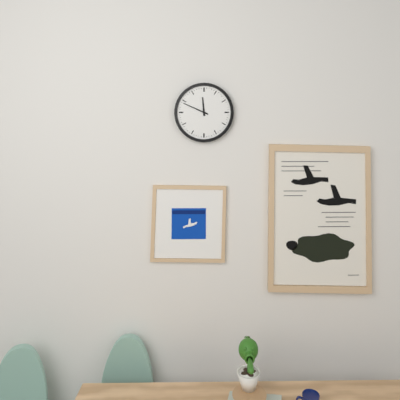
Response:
h=11 m=49
